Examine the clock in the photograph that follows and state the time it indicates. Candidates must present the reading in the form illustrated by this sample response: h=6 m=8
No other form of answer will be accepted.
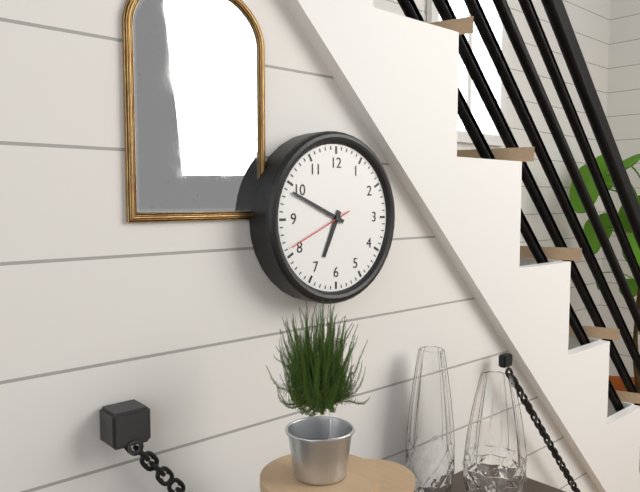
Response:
h=6 m=49
